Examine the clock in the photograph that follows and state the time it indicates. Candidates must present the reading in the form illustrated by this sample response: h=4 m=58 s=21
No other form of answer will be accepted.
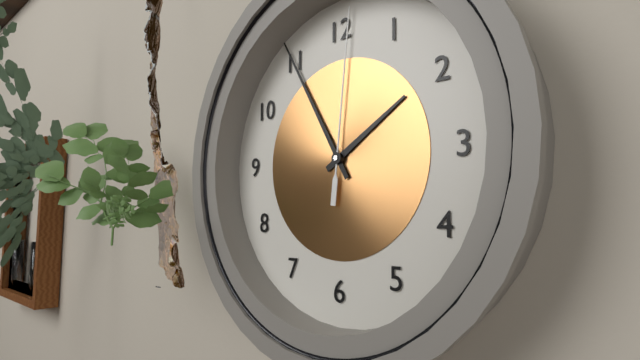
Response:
h=1 m=55 s=1
